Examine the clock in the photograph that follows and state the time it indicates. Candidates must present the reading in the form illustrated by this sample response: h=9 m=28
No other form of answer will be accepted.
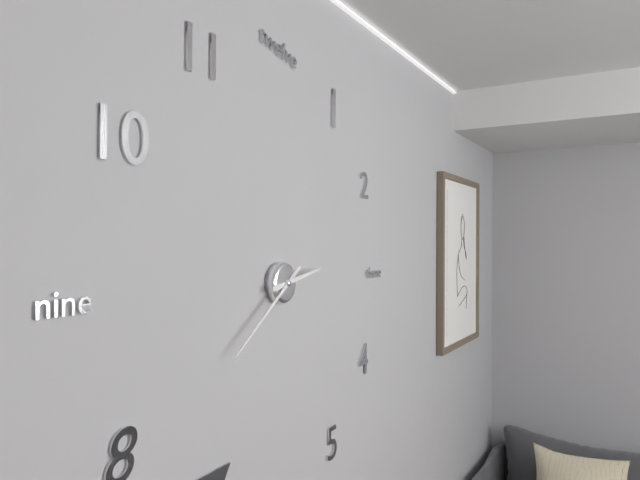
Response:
h=2 m=39
